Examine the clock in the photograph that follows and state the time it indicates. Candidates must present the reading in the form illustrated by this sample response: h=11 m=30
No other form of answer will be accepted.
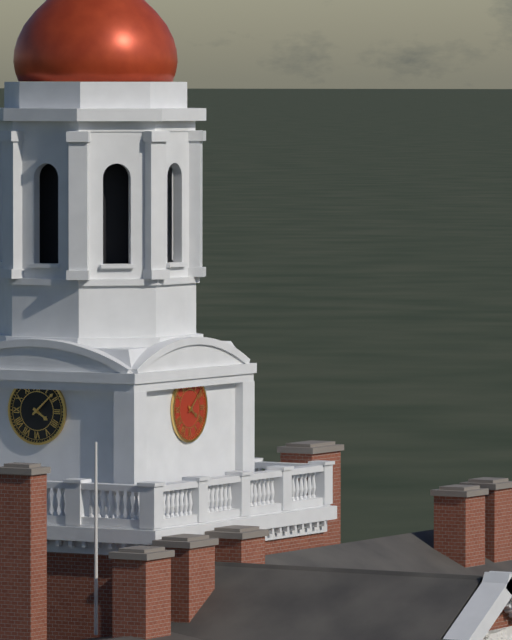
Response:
h=4 m=8
